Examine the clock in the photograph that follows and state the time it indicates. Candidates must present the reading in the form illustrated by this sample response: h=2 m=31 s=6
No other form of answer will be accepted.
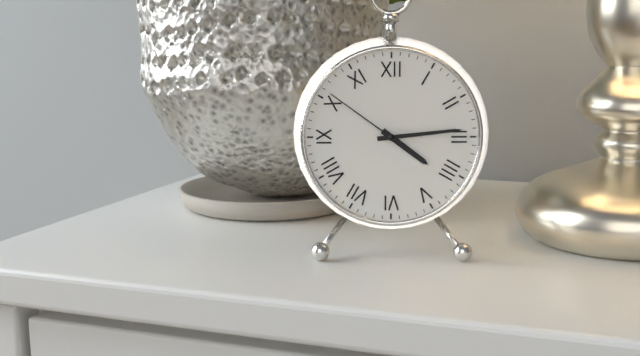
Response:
h=4 m=14 s=51
